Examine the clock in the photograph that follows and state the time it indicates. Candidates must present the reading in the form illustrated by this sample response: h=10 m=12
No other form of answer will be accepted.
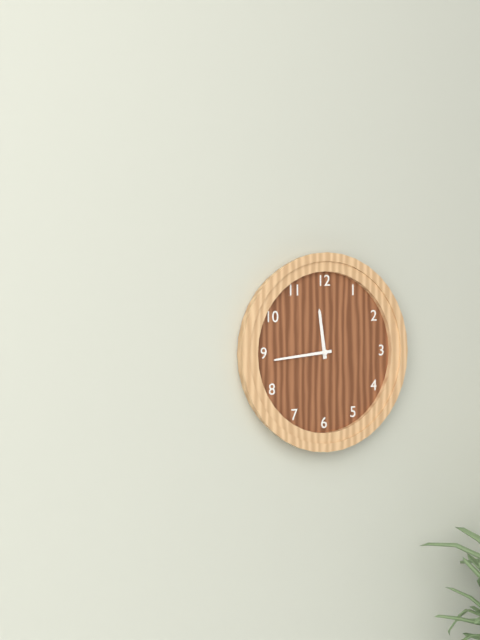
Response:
h=11 m=44
